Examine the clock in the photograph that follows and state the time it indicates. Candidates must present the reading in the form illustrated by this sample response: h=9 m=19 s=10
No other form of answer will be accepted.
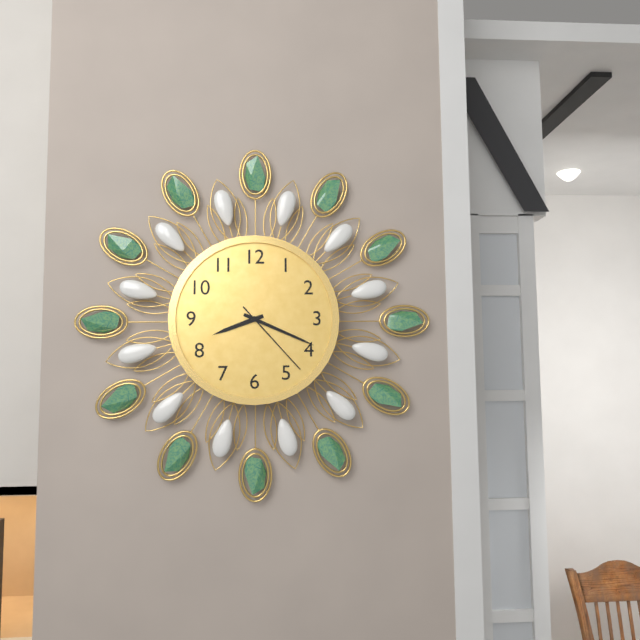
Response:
h=8 m=19 s=23
